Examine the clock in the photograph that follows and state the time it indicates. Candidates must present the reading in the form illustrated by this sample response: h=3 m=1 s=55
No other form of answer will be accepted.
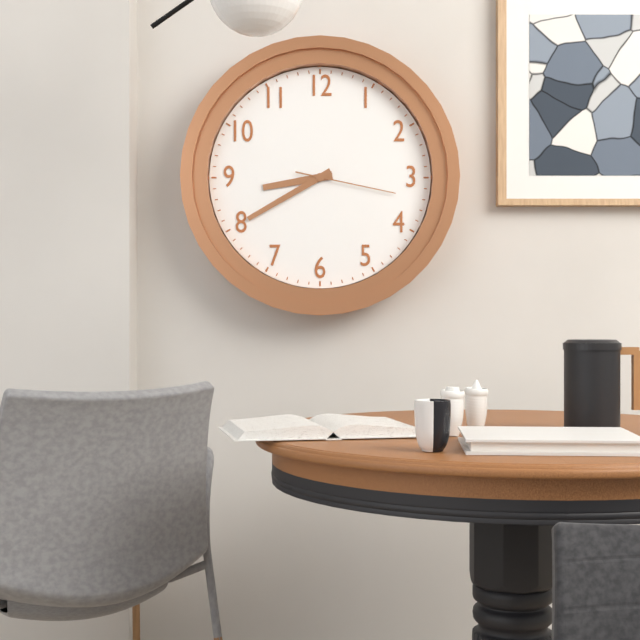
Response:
h=8 m=40 s=17
